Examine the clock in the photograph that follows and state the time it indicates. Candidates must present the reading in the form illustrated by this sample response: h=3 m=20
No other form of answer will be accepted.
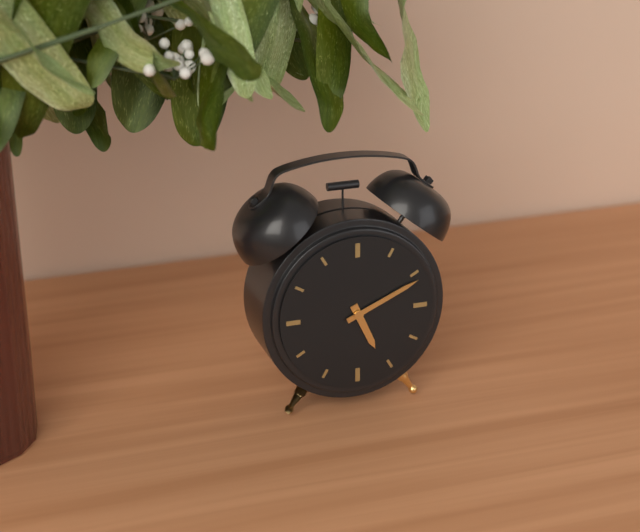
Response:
h=5 m=11
